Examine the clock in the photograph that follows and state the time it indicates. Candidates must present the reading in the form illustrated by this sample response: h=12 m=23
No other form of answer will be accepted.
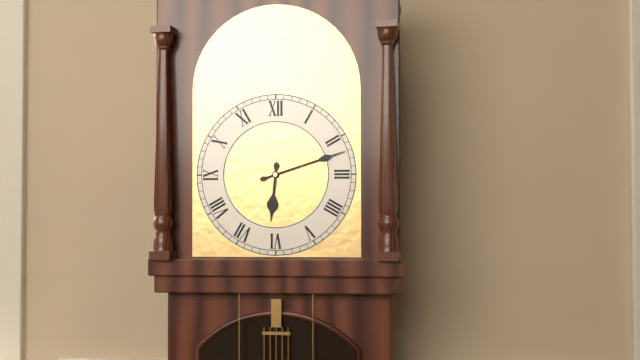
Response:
h=6 m=12
